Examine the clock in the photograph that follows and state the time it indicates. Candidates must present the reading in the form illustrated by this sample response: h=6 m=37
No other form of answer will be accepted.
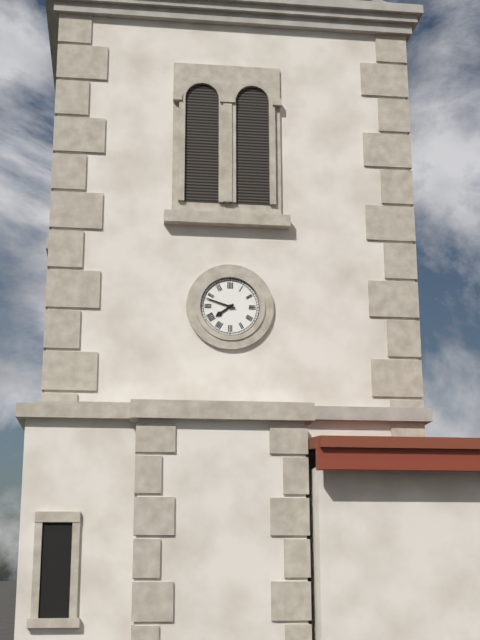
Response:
h=7 m=48
